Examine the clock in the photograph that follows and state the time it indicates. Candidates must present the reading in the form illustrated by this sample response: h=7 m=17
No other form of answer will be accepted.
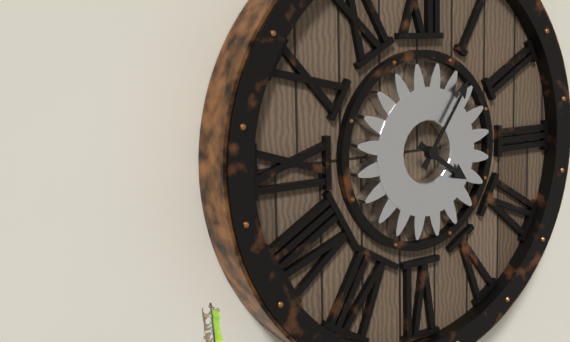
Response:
h=4 m=6
